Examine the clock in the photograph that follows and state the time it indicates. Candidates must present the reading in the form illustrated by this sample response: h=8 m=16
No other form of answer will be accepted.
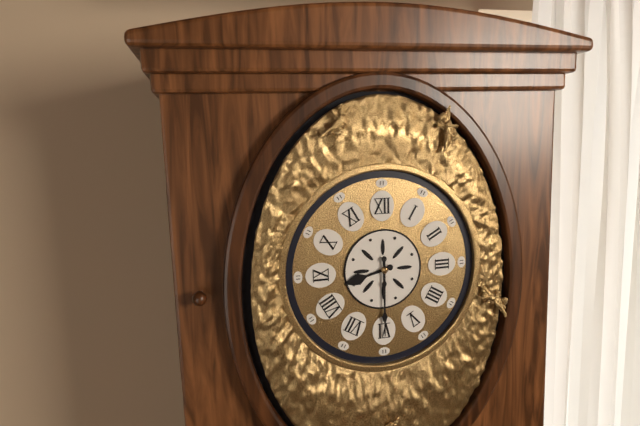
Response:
h=8 m=30
